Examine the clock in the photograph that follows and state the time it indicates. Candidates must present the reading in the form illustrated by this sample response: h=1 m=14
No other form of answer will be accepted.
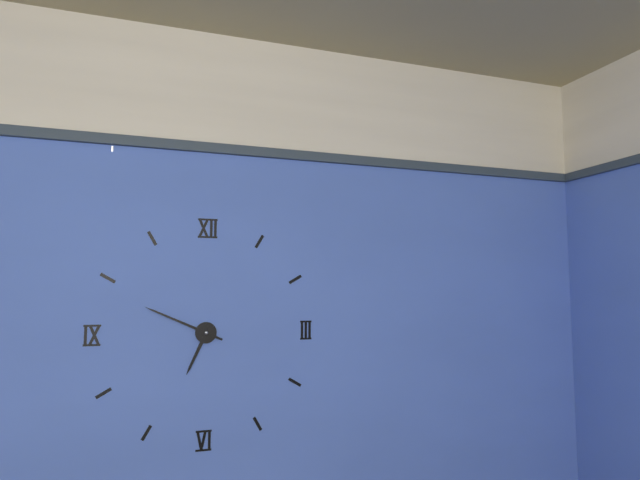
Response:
h=6 m=49
